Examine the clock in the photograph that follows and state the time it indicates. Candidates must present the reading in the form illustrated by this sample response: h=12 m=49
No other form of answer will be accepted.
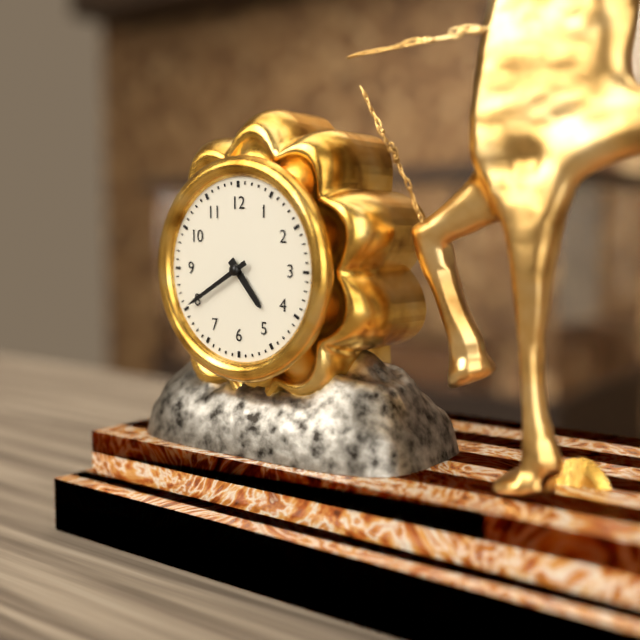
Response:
h=4 m=40
